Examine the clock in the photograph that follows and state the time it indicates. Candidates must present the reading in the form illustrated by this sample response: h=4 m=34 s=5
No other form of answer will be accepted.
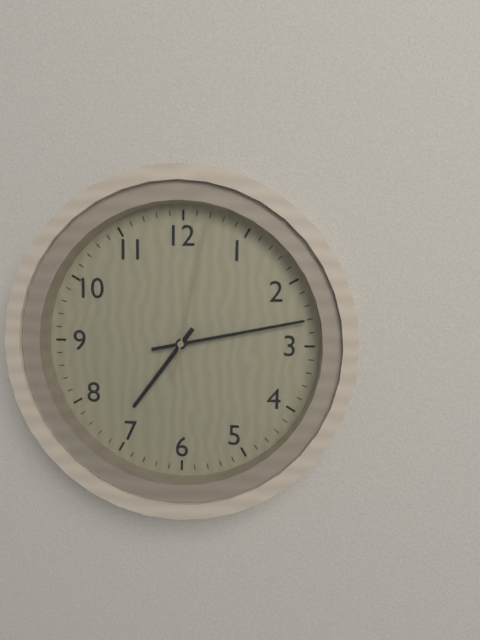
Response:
h=7 m=13 s=2
